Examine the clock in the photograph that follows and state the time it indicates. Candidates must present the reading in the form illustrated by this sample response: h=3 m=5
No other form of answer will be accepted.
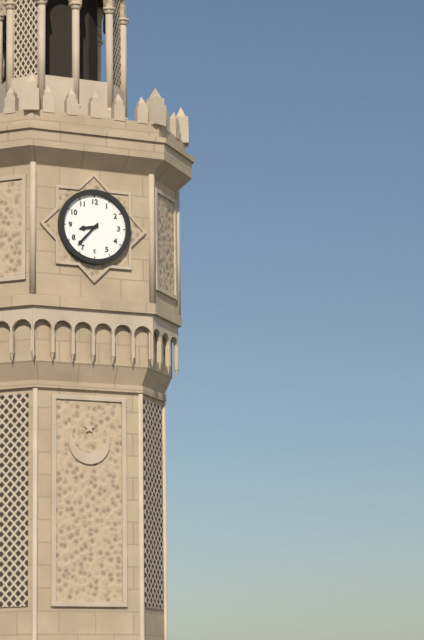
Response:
h=8 m=37
